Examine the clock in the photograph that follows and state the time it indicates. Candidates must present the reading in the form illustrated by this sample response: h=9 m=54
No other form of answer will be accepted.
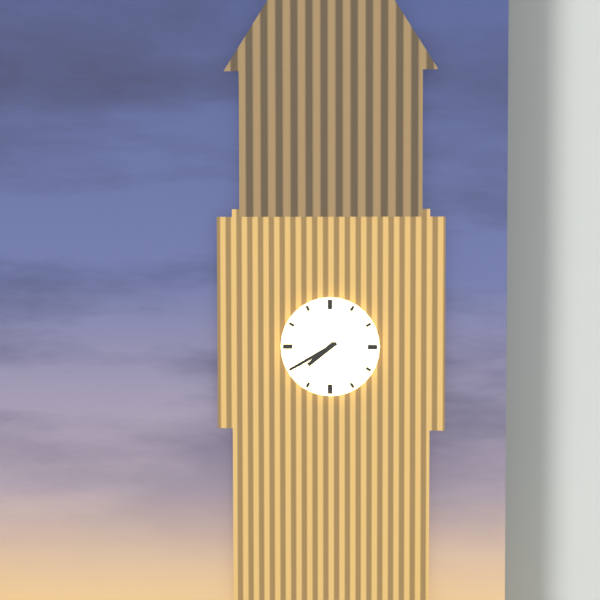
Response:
h=7 m=40
